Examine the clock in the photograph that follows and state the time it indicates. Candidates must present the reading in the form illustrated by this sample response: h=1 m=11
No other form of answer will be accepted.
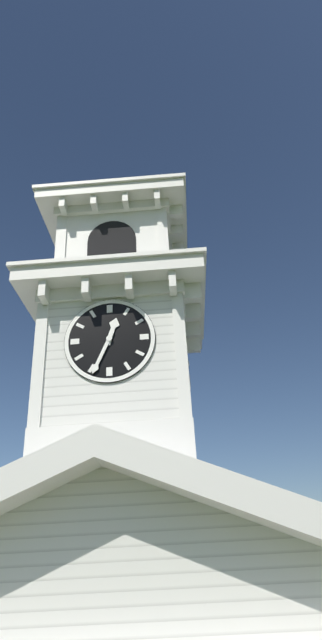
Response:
h=12 m=34
